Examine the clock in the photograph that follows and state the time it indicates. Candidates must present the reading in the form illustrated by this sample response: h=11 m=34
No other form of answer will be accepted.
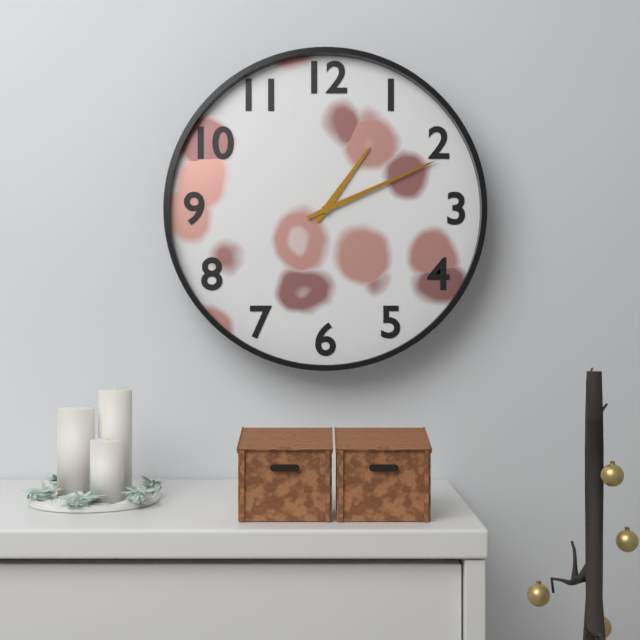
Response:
h=1 m=11
